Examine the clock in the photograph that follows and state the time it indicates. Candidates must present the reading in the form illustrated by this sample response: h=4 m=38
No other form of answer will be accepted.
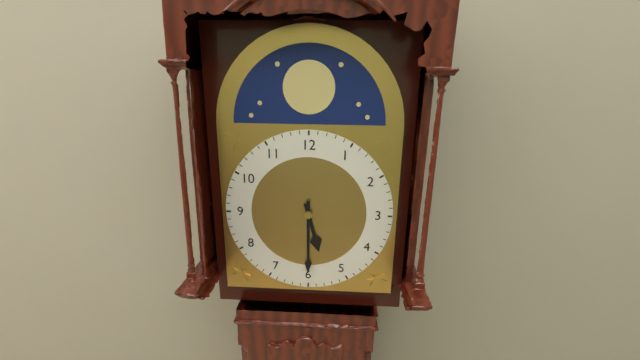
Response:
h=5 m=30
